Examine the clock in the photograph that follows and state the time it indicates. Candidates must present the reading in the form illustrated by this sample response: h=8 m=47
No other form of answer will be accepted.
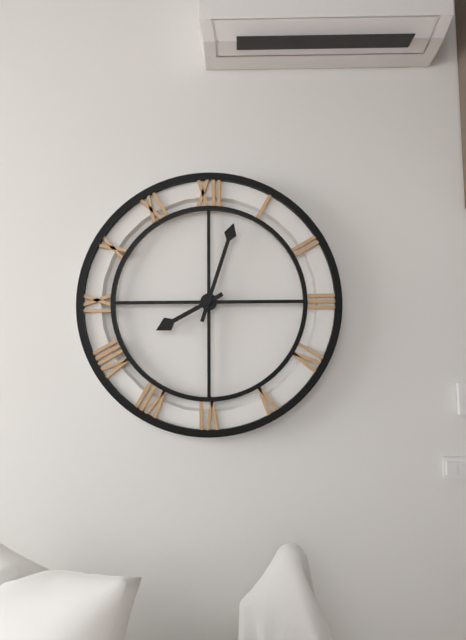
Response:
h=8 m=3
